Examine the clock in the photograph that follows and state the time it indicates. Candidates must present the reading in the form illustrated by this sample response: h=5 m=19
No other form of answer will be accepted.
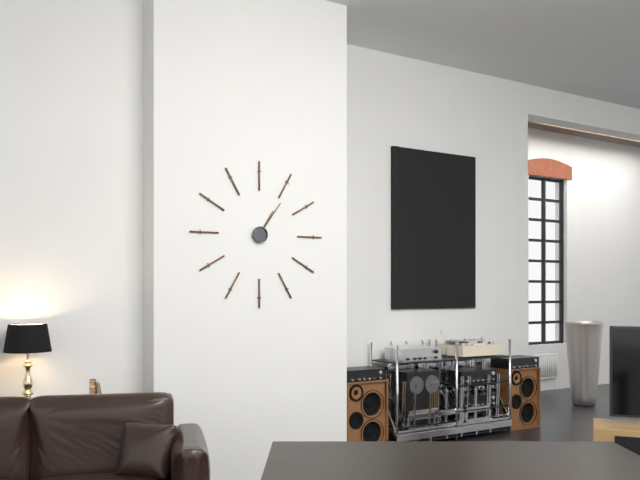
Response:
h=1 m=6
